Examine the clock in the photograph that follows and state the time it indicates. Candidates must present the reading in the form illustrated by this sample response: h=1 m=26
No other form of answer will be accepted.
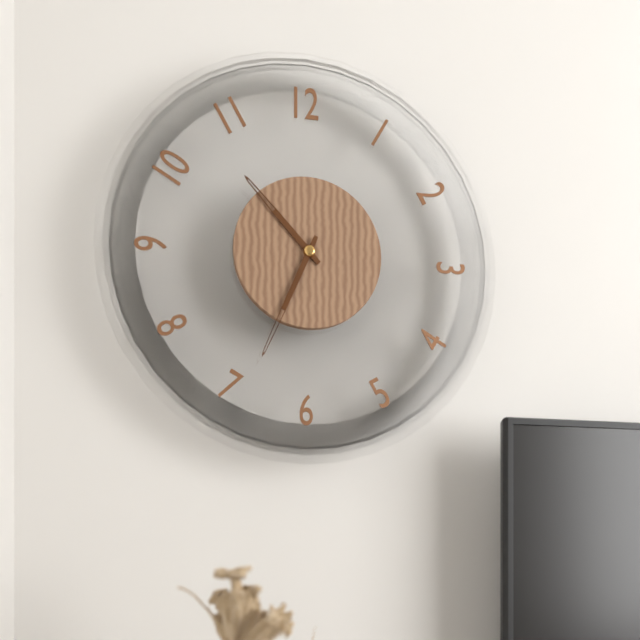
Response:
h=10 m=34
